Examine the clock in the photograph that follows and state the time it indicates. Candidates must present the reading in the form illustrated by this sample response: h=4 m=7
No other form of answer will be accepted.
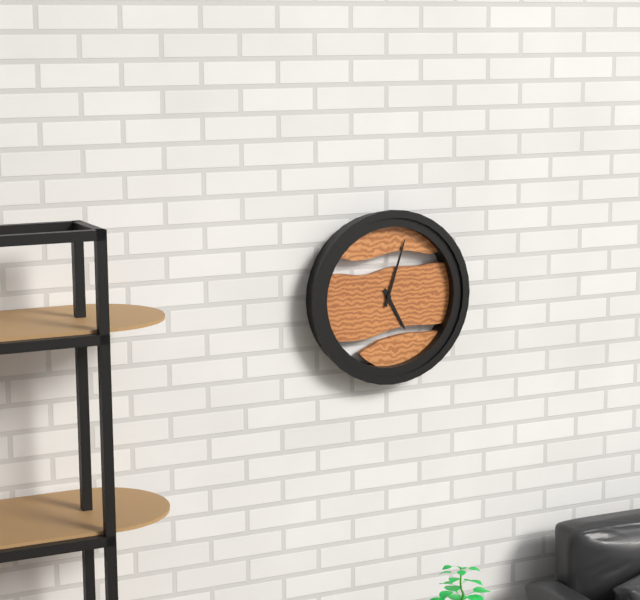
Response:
h=5 m=3
